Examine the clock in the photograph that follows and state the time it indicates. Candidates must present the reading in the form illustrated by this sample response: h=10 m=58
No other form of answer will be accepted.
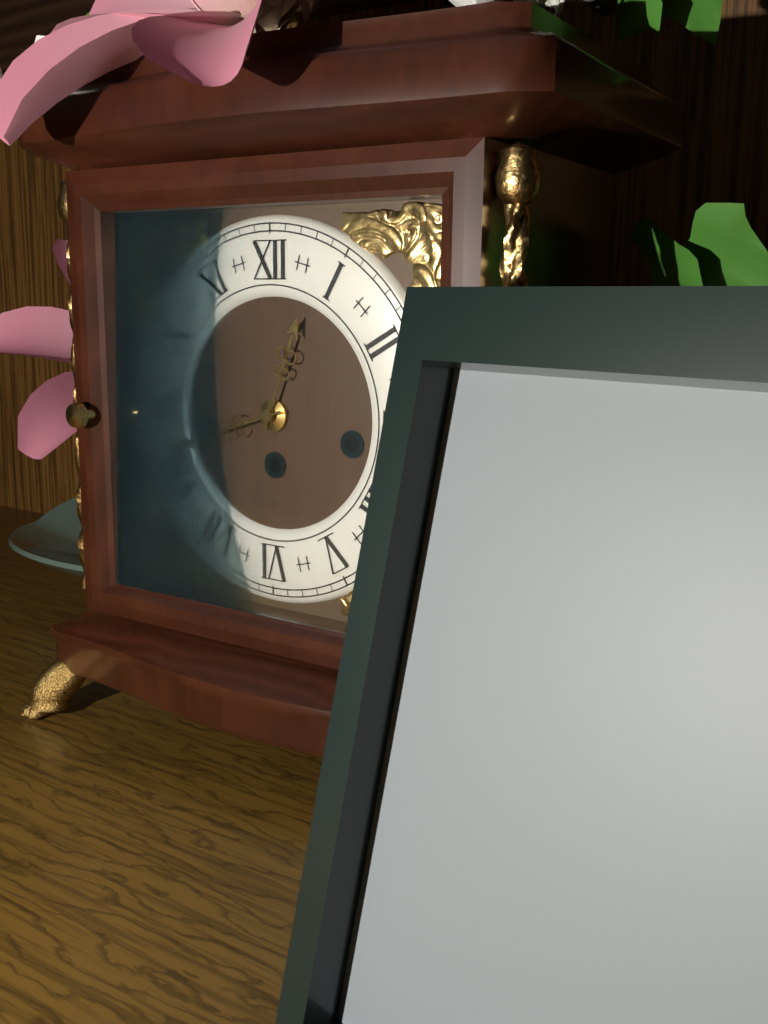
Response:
h=12 m=42
